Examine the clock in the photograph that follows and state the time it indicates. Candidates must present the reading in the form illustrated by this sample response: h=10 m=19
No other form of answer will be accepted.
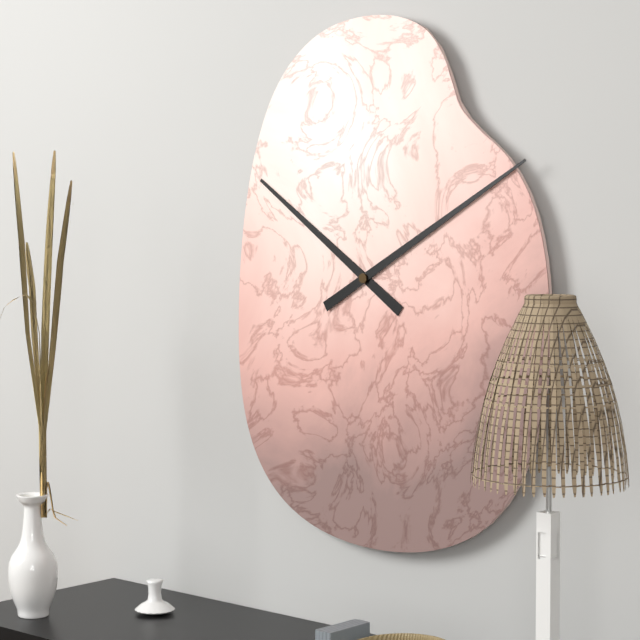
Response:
h=10 m=10
